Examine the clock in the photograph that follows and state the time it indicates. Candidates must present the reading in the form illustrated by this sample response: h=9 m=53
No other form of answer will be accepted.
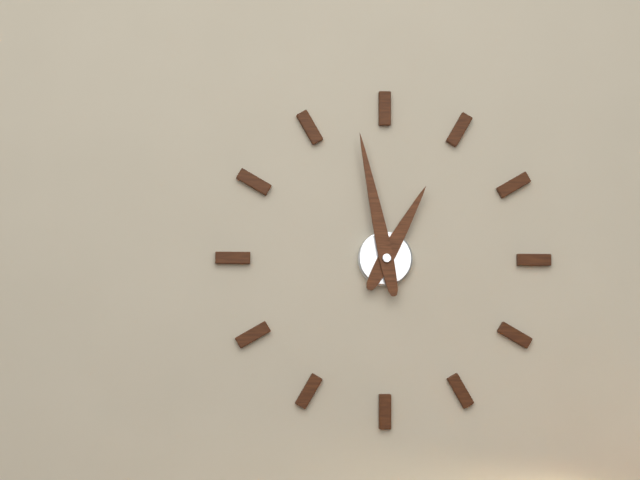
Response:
h=12 m=58
